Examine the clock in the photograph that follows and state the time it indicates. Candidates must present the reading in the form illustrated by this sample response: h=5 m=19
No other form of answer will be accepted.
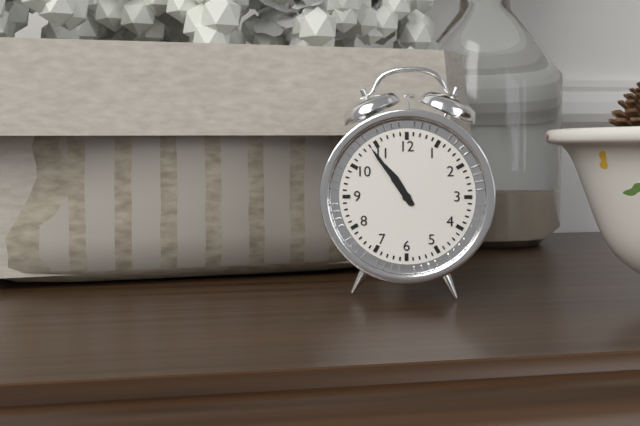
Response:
h=10 m=54
